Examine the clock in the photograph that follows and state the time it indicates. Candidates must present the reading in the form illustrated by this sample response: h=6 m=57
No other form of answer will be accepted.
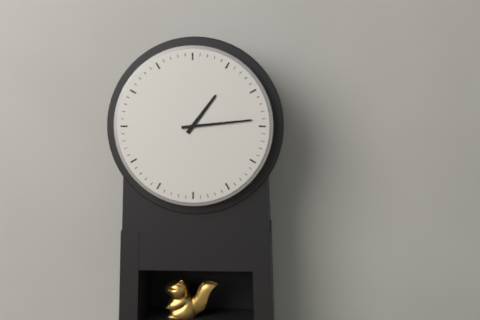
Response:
h=1 m=14
